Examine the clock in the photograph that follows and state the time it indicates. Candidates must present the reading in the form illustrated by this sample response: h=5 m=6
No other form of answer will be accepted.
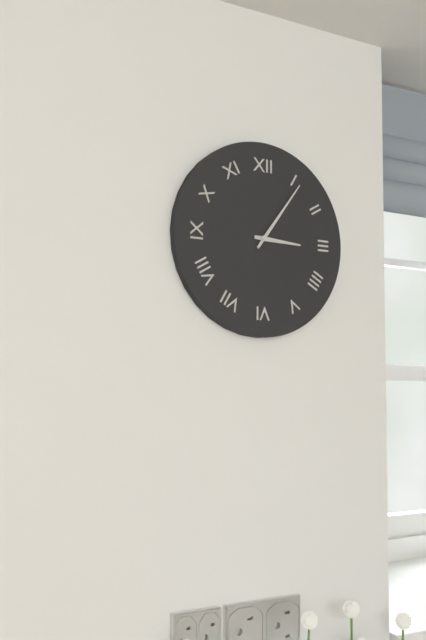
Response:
h=3 m=6
